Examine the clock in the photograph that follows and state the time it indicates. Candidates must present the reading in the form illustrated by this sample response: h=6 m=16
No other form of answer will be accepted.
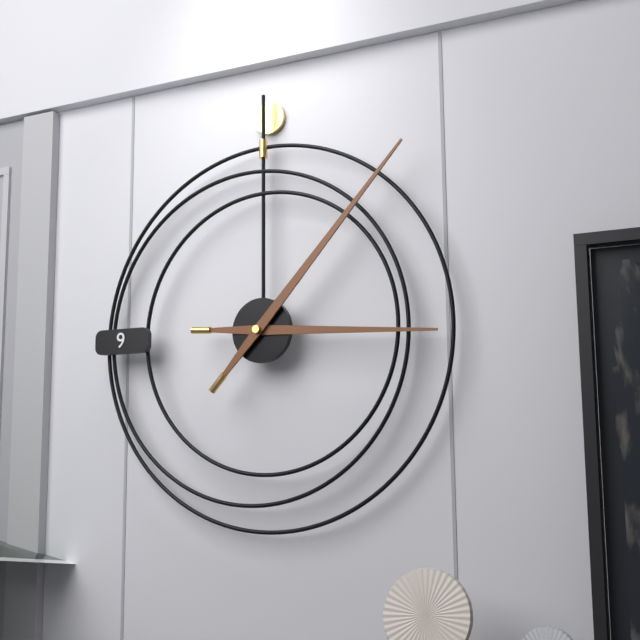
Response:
h=3 m=7
